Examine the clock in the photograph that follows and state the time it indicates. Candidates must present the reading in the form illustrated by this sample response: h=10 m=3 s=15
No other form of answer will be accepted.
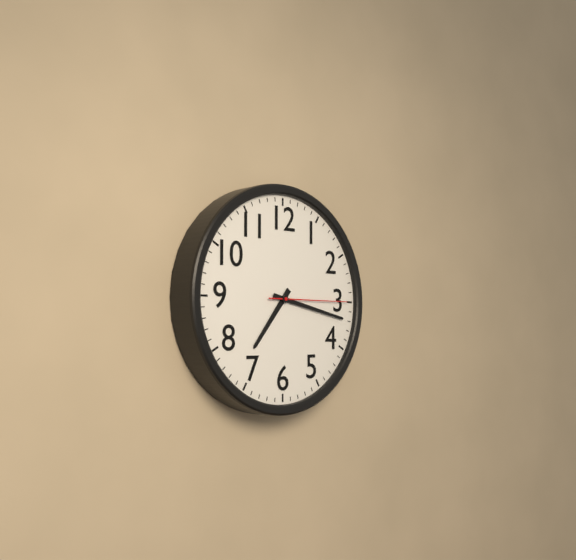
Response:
h=7 m=17 s=15
